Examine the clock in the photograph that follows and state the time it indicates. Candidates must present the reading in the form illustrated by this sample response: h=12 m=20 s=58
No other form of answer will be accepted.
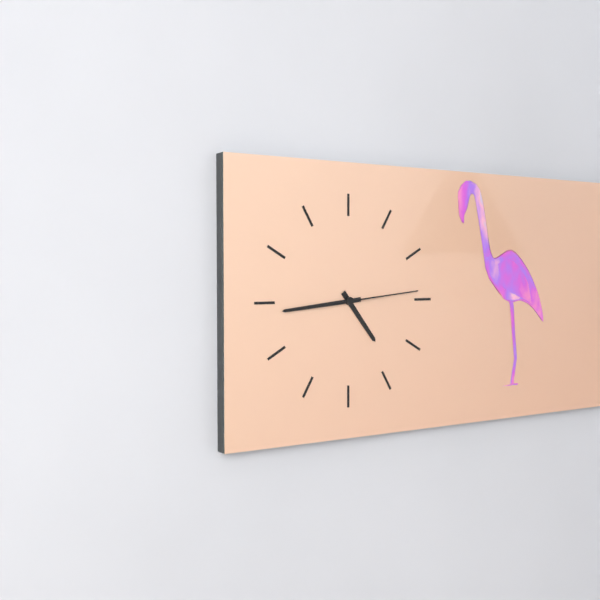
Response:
h=4 m=44 s=14
